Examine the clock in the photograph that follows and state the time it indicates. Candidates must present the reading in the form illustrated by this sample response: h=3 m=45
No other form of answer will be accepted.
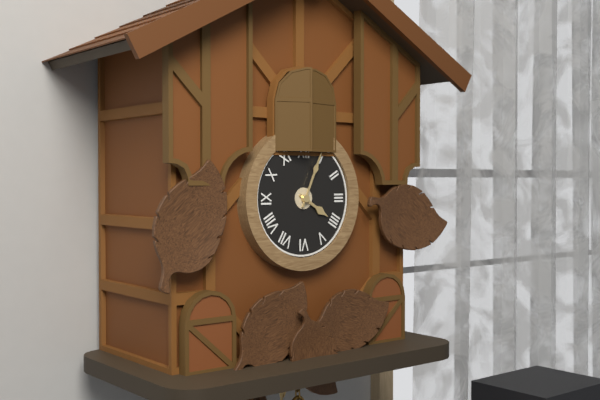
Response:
h=4 m=4
